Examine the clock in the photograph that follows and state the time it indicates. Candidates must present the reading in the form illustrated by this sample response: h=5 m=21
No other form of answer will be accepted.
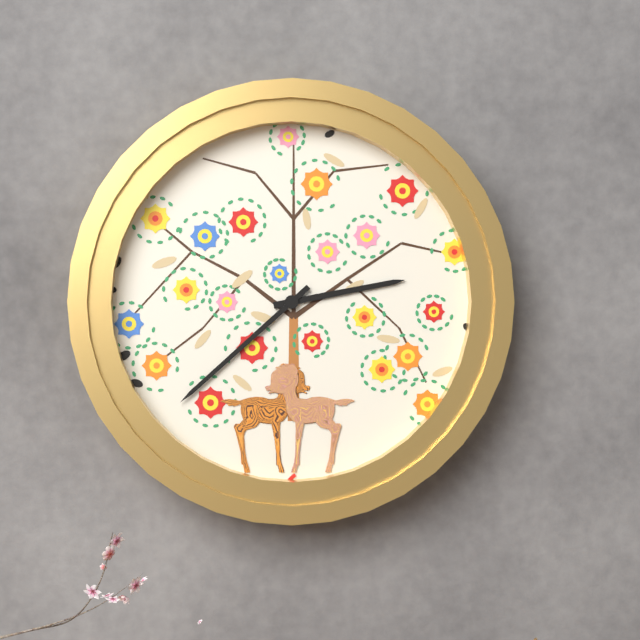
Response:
h=2 m=38
